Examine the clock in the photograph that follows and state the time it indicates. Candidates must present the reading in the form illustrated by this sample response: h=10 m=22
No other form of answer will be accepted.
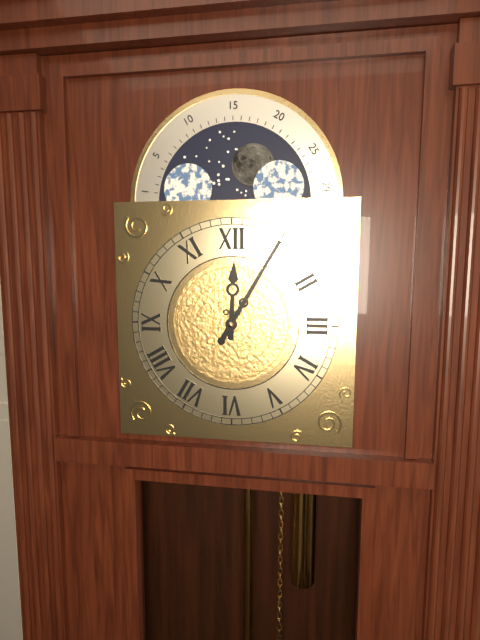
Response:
h=12 m=5
